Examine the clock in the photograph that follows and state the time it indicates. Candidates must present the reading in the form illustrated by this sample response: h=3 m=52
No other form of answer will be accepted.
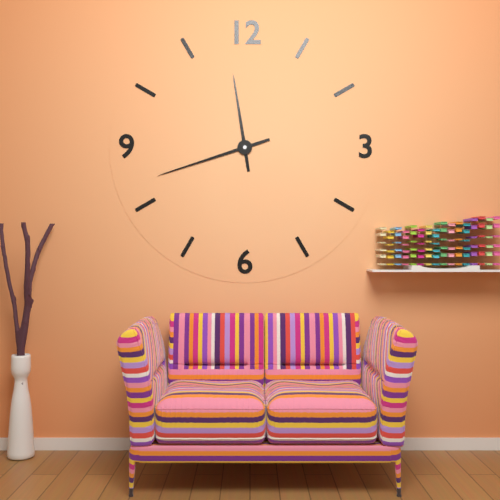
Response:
h=11 m=42
